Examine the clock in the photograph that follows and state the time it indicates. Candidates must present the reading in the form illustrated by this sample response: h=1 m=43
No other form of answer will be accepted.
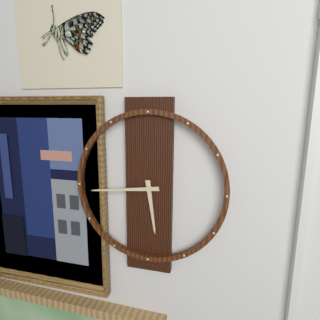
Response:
h=5 m=44
